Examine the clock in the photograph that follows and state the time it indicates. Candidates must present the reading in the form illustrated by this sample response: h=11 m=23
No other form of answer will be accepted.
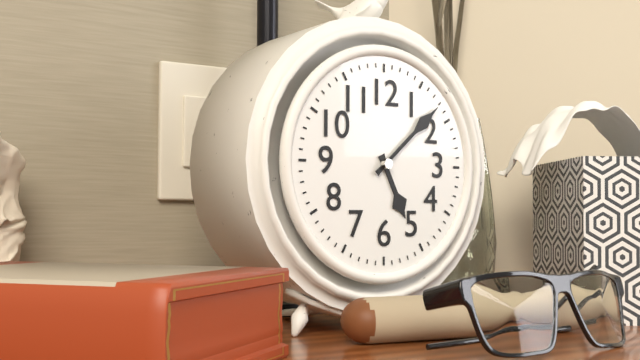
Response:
h=5 m=8
